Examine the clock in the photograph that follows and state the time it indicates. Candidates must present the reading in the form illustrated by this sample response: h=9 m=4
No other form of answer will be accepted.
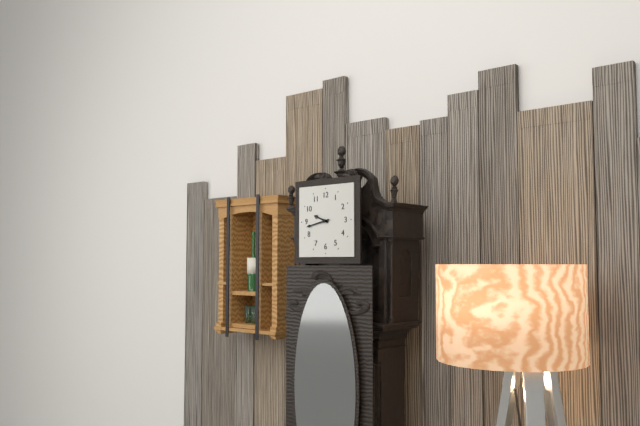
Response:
h=9 m=43
